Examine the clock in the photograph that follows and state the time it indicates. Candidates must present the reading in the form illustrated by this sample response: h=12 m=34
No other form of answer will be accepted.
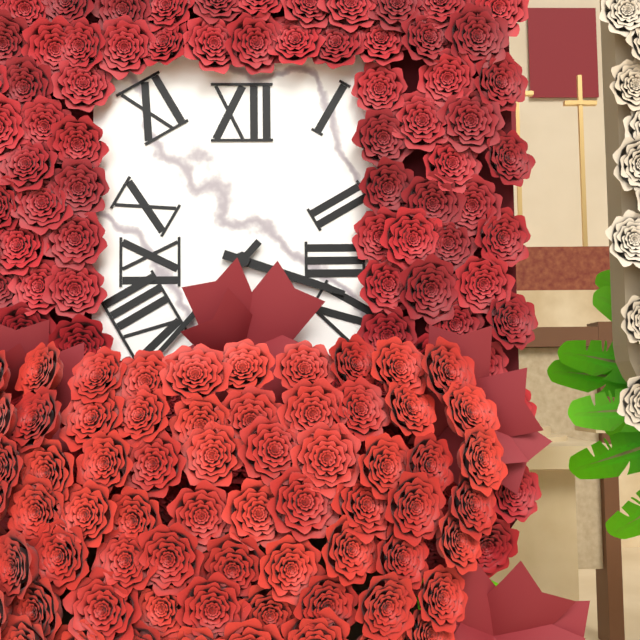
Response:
h=3 m=37
